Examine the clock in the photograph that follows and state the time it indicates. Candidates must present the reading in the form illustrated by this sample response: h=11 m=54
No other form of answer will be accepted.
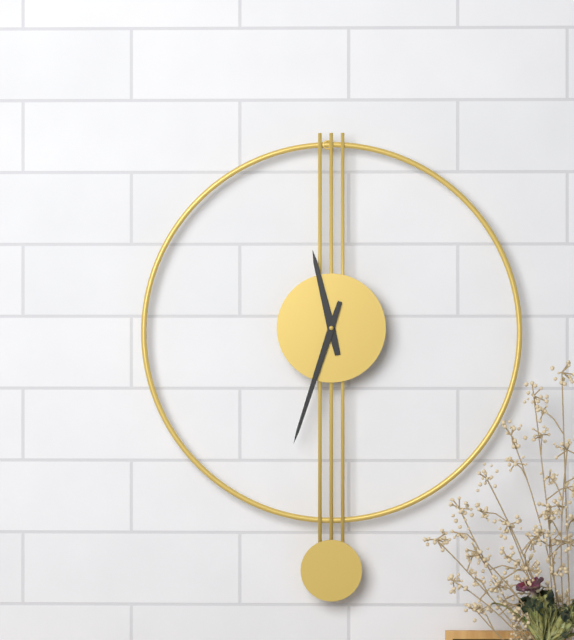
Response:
h=11 m=33
